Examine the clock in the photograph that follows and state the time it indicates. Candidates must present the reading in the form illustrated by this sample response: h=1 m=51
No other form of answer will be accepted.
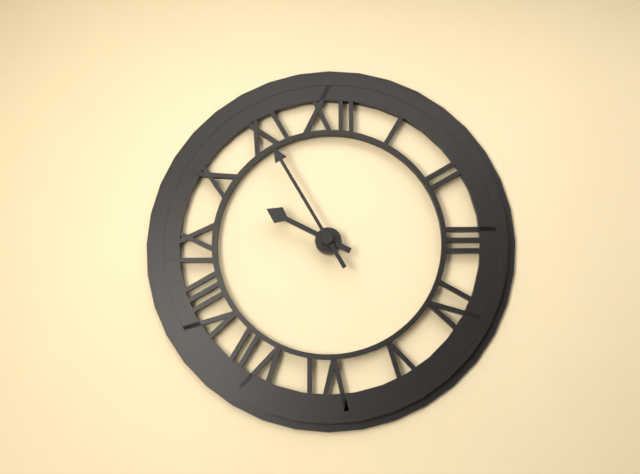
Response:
h=9 m=55
